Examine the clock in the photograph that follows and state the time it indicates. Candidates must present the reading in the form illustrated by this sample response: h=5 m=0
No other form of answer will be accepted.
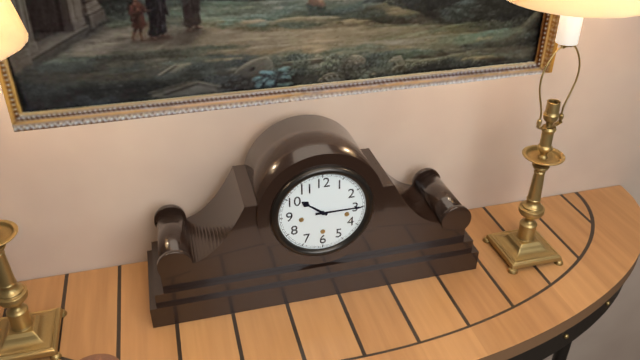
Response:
h=10 m=15
